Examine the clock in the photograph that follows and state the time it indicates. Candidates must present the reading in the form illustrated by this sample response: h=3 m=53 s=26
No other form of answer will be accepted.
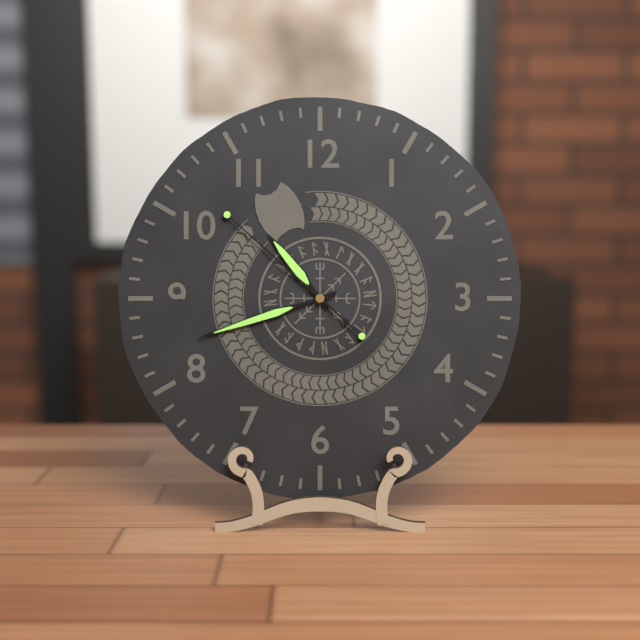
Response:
h=10 m=42 s=52
